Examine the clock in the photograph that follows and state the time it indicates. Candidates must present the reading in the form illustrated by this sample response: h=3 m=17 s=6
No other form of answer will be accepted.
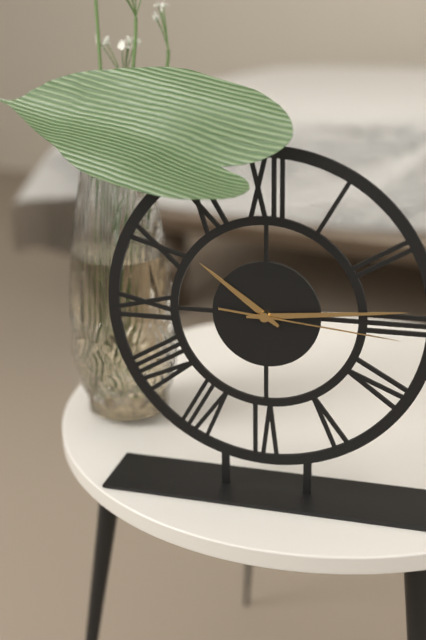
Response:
h=10 m=14 s=16
